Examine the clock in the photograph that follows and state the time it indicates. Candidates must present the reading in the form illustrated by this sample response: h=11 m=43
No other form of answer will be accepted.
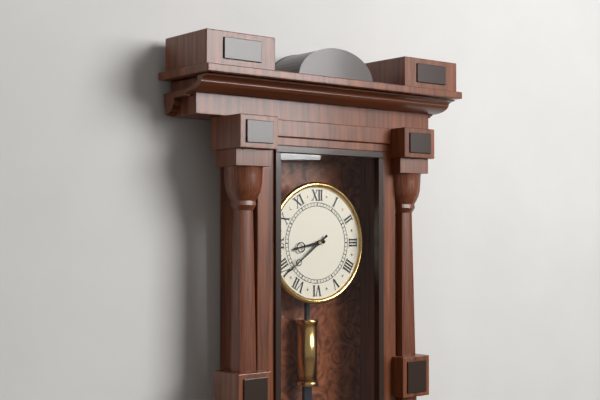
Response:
h=8 m=39
